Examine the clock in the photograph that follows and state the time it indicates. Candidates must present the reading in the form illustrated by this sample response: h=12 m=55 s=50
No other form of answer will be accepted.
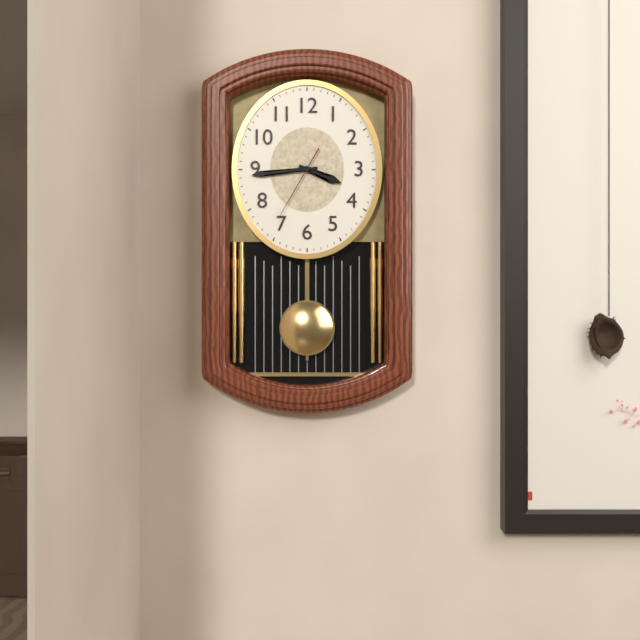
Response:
h=3 m=44 s=35
